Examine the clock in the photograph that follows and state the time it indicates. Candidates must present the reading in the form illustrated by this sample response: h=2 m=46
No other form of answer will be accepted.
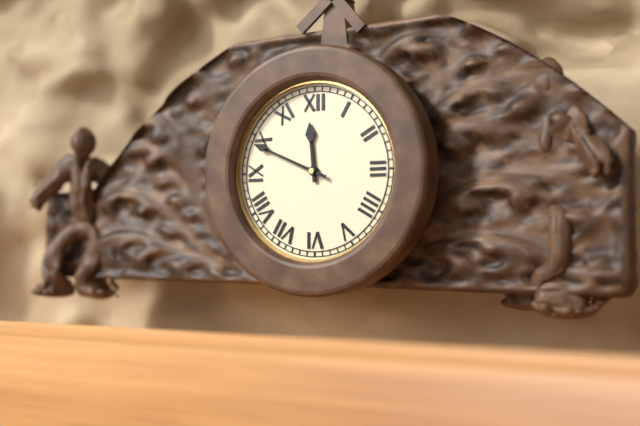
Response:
h=11 m=49
